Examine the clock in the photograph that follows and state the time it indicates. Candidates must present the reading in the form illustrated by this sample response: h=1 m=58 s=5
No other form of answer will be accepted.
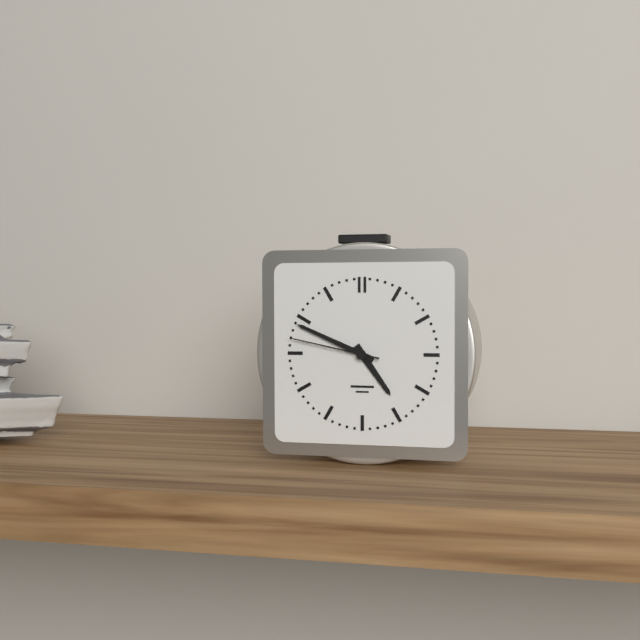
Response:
h=4 m=49 s=47
